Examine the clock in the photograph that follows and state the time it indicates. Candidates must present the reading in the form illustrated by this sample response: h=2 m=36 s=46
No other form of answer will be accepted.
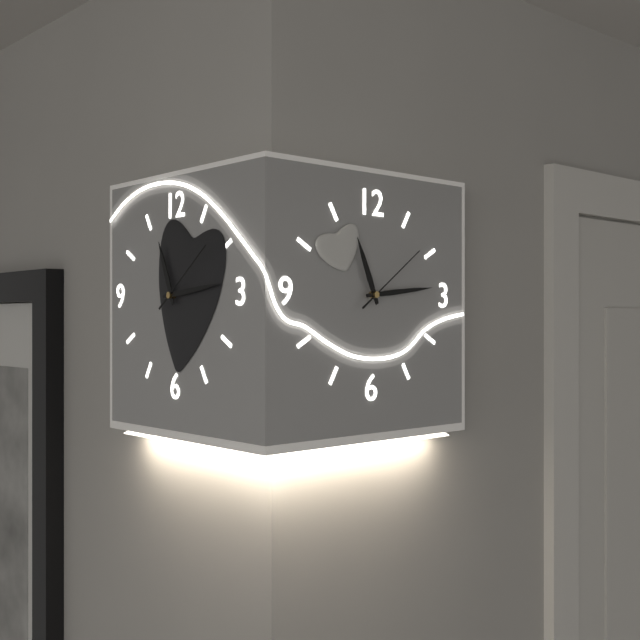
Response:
h=11 m=14 s=9
